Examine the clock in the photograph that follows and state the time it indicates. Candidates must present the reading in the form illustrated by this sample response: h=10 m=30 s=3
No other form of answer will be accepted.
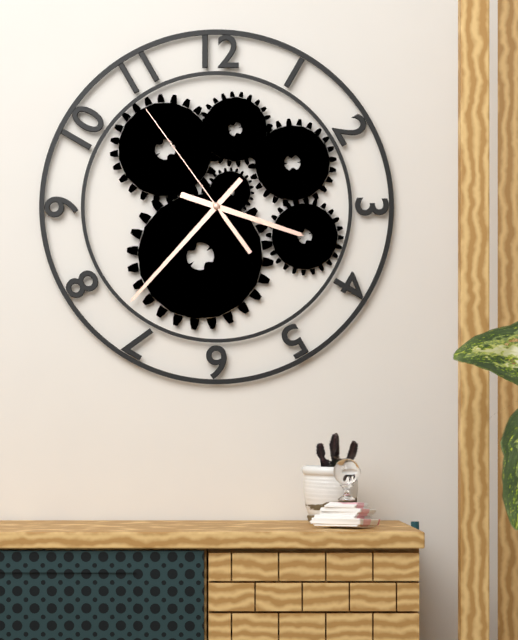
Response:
h=3 m=37 s=54
